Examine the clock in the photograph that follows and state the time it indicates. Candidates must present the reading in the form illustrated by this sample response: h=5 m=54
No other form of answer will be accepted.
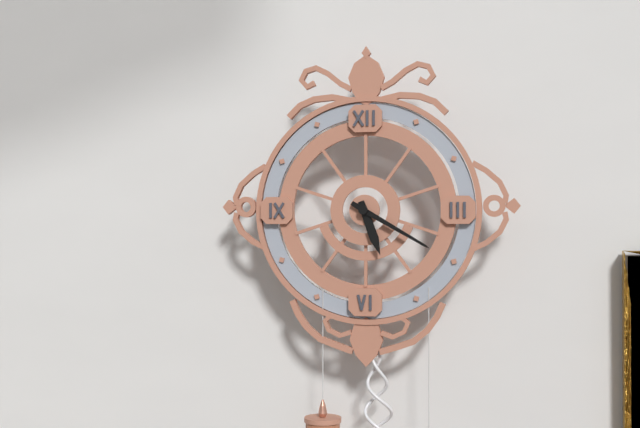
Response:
h=5 m=20
